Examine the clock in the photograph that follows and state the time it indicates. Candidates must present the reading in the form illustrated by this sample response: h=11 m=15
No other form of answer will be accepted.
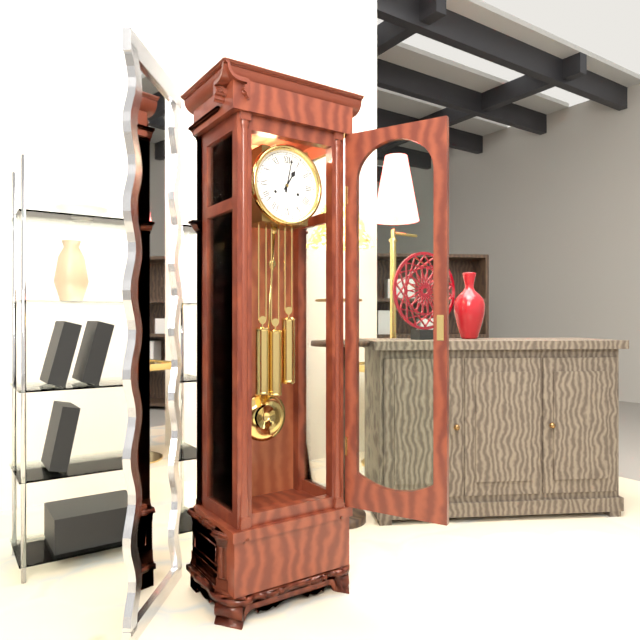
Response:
h=1 m=2
